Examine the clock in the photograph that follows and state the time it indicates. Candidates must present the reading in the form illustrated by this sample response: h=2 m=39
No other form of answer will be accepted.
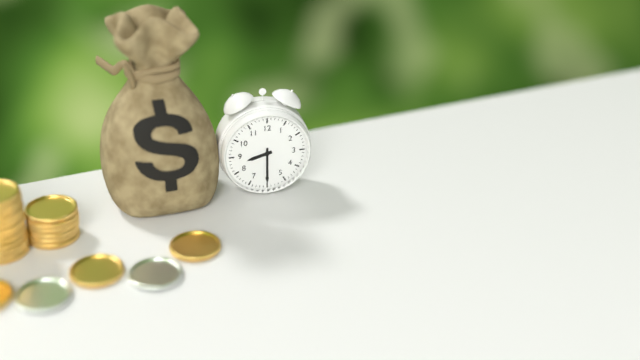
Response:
h=8 m=30
